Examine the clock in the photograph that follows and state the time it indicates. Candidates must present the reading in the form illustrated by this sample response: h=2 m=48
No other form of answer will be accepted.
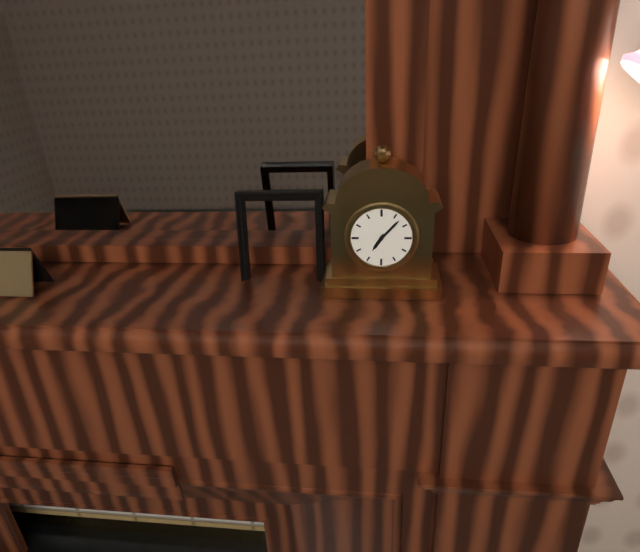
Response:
h=7 m=7
